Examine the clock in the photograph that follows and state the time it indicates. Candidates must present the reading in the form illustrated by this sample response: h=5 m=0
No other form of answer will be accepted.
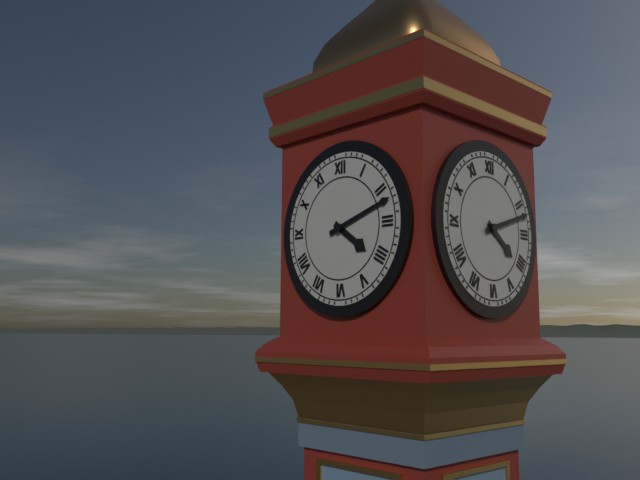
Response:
h=4 m=12
